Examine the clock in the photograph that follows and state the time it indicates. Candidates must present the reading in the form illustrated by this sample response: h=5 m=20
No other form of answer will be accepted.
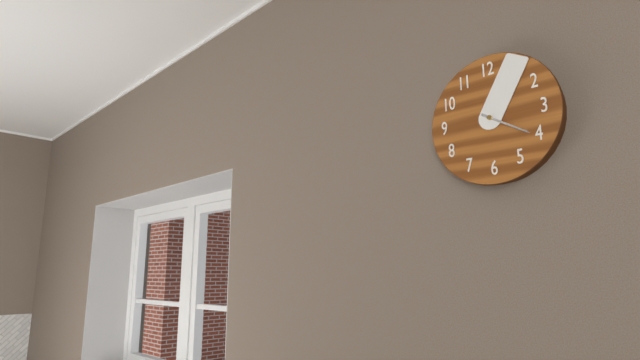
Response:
h=4 m=5
